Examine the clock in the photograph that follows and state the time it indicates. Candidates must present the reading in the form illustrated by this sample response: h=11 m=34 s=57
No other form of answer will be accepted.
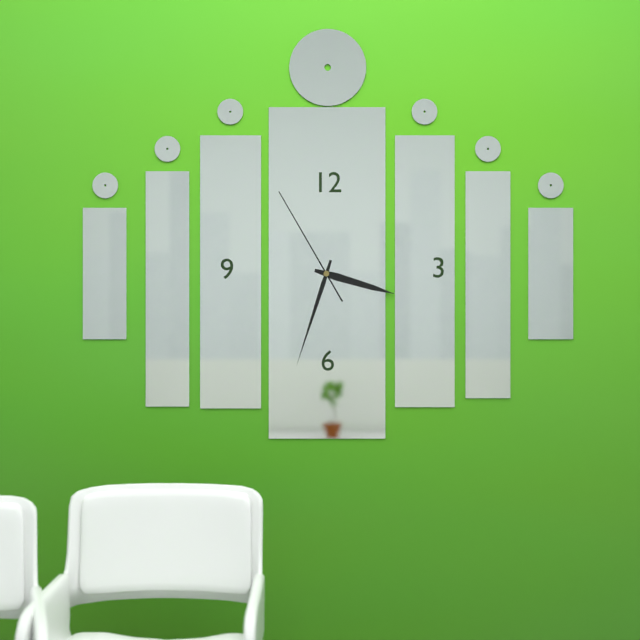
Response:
h=3 m=33 s=55
